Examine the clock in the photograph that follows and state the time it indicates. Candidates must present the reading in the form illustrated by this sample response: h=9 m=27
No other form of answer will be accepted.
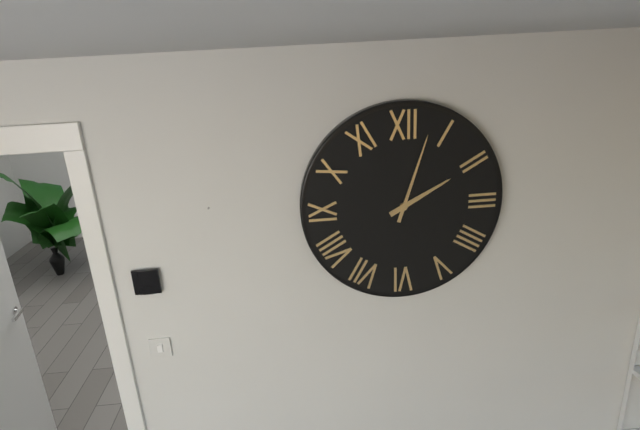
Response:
h=2 m=3
